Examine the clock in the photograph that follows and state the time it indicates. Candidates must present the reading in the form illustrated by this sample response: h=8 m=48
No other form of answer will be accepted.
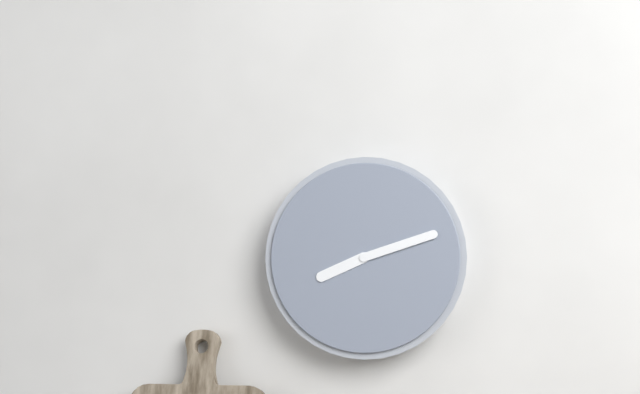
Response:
h=8 m=12
